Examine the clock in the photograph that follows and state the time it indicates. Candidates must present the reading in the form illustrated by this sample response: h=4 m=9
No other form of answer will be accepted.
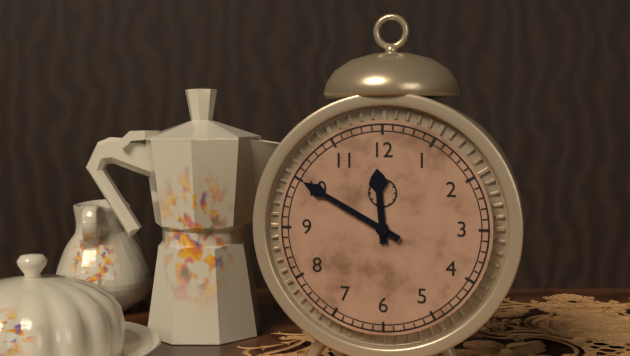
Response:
h=11 m=50
